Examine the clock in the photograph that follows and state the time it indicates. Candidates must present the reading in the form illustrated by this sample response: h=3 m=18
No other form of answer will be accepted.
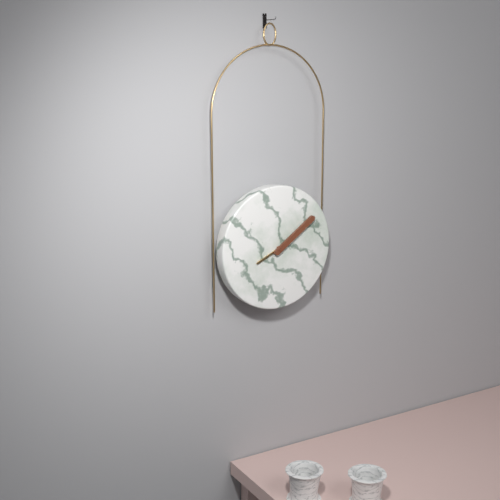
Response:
h=8 m=9
